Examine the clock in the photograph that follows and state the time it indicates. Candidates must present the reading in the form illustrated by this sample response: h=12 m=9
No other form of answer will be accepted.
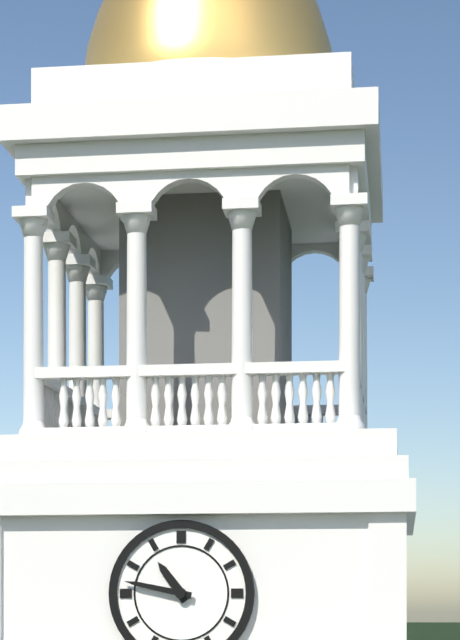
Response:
h=10 m=47
